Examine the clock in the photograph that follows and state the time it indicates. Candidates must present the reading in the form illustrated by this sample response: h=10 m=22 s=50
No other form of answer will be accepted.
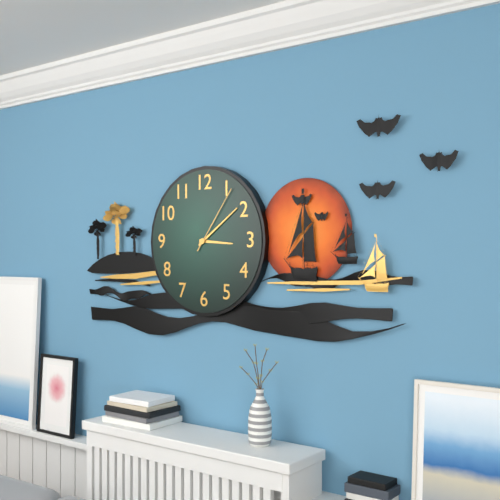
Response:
h=3 m=9 s=6
